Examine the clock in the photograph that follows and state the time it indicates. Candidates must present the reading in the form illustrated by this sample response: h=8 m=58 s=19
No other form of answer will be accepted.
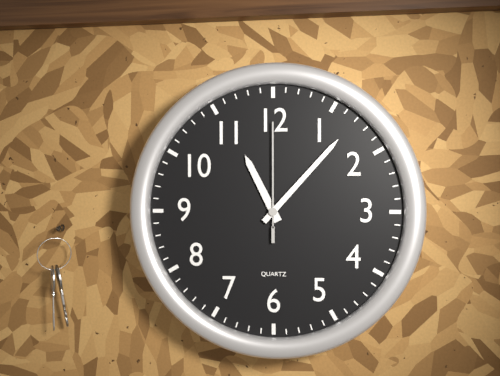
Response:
h=11 m=7 s=0
